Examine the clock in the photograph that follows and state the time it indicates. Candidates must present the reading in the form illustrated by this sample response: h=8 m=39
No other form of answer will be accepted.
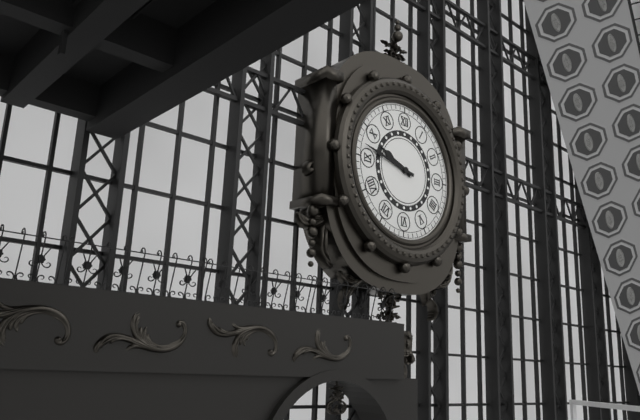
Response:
h=9 m=47
